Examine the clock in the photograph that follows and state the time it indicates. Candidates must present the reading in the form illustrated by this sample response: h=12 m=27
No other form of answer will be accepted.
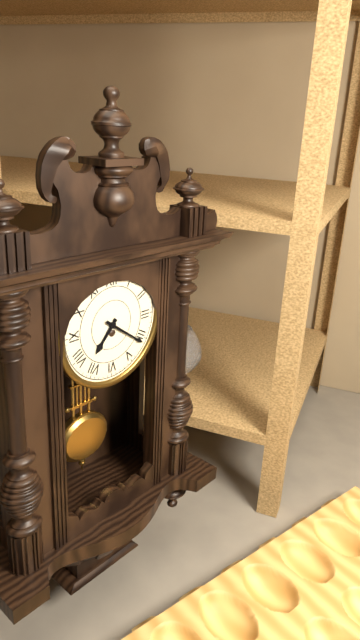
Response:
h=7 m=21
